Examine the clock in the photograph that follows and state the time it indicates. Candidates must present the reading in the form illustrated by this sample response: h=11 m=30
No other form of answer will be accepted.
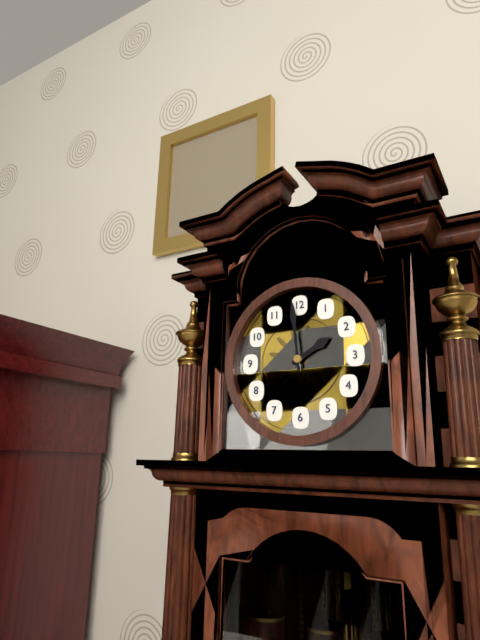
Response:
h=1 m=59
